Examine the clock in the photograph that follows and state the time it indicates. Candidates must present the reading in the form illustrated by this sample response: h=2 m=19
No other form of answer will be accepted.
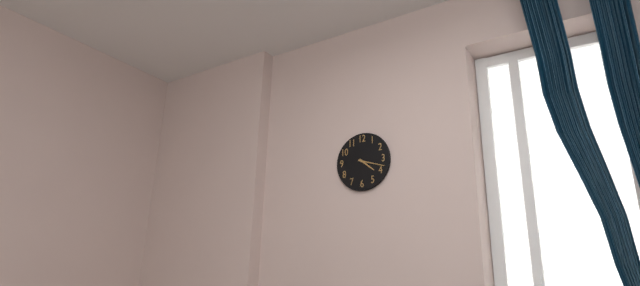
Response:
h=4 m=18
